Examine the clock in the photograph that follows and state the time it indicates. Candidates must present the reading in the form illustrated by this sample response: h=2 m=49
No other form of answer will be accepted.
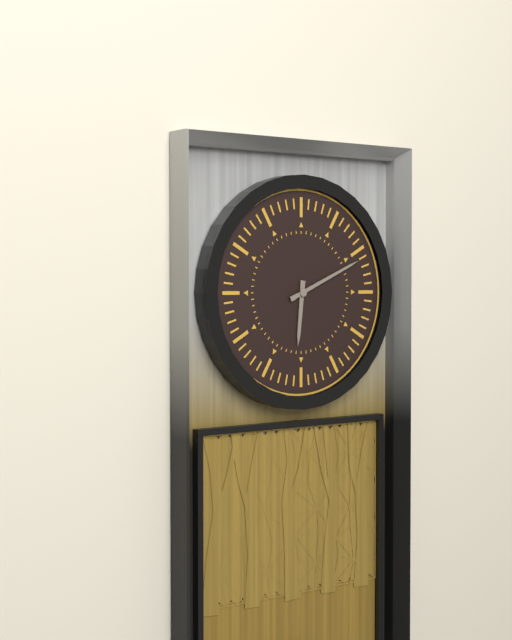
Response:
h=6 m=11
